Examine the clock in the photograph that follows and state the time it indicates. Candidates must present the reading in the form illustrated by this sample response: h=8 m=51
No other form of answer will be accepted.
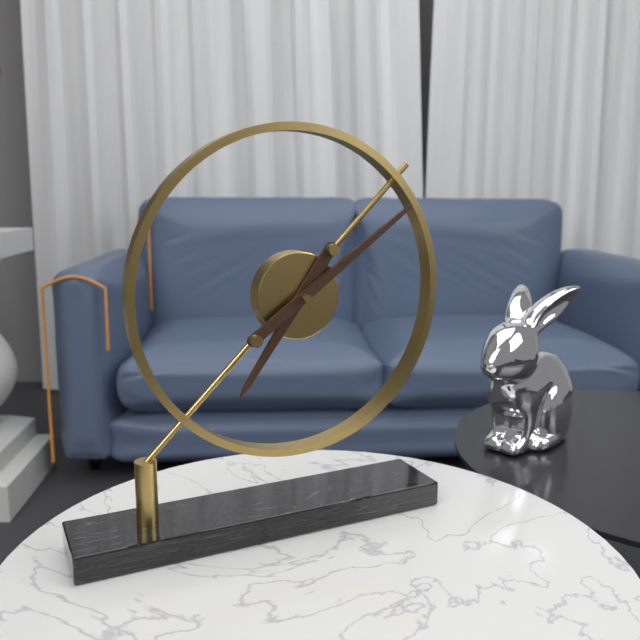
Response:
h=7 m=9
